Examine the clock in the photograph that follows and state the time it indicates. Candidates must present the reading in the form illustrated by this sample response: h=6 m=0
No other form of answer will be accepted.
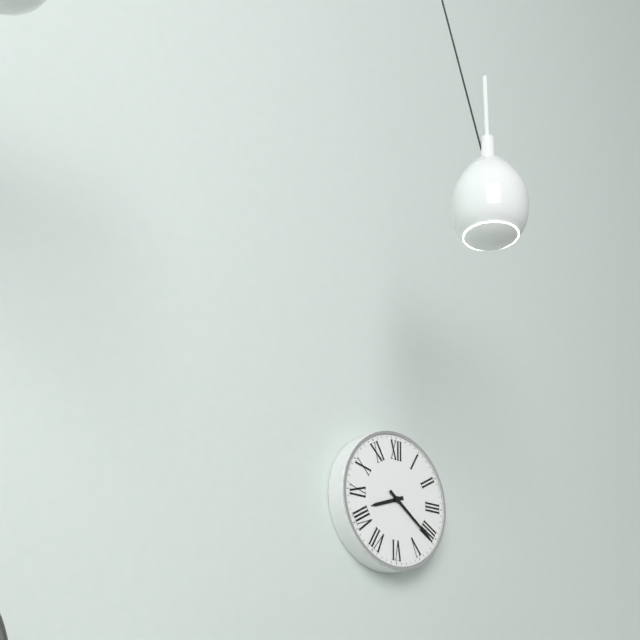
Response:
h=8 m=21
